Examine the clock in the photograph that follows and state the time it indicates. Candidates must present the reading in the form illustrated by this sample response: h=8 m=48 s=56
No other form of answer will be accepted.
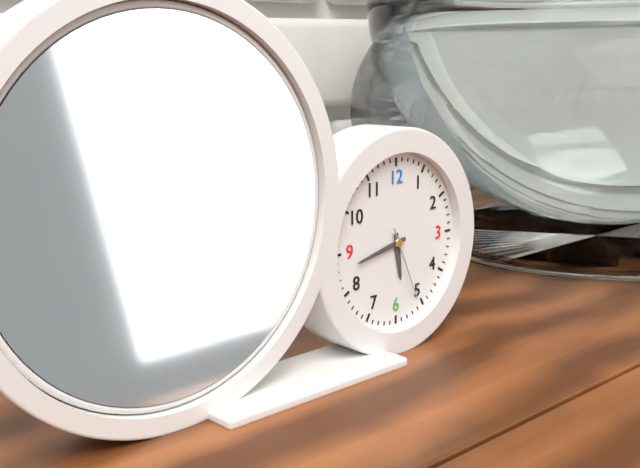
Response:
h=5 m=43 s=26
